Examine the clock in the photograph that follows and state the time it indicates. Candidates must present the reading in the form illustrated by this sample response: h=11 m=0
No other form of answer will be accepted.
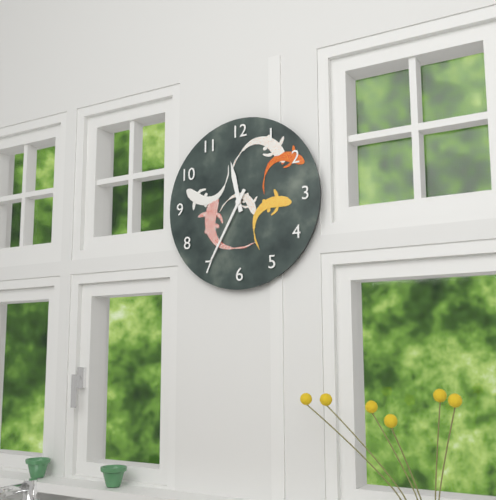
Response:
h=11 m=35
